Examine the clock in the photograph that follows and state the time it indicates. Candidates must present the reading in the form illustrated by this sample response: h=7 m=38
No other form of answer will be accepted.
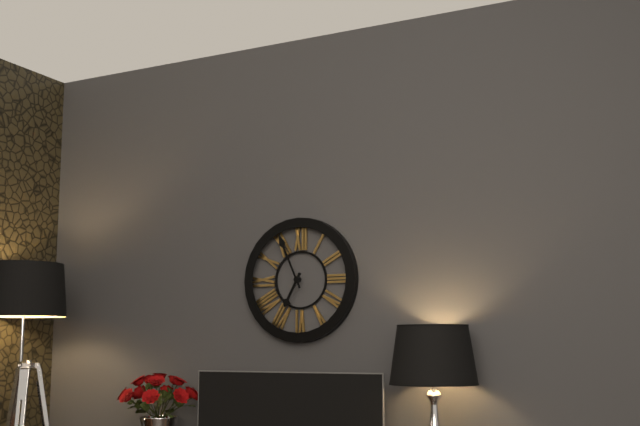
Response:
h=6 m=56
